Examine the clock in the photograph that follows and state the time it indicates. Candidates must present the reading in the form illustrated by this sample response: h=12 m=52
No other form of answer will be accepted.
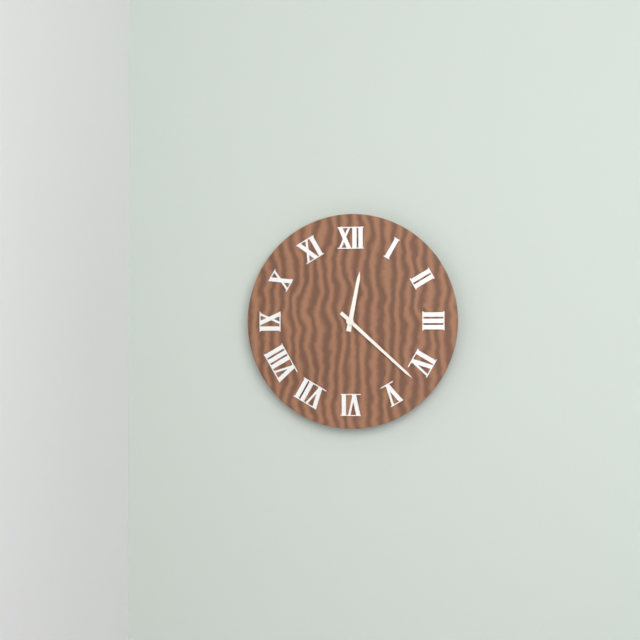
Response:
h=12 m=22
